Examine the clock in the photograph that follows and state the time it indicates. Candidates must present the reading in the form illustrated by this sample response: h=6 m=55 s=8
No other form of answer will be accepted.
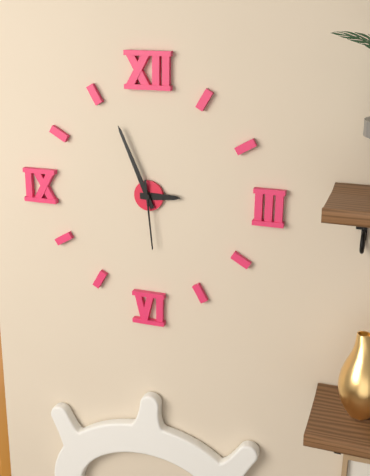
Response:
h=2 m=56 s=29
